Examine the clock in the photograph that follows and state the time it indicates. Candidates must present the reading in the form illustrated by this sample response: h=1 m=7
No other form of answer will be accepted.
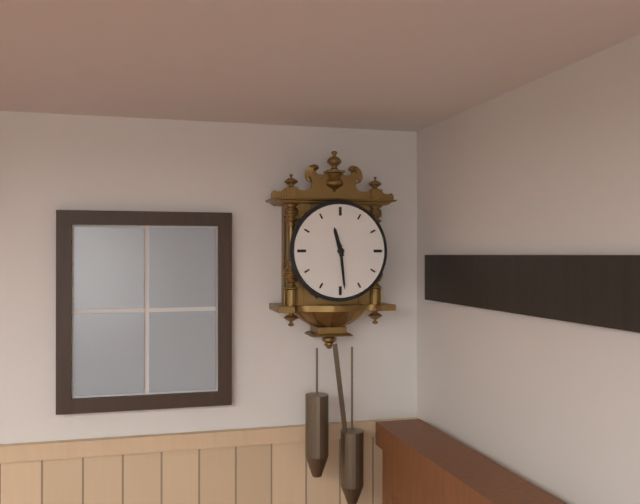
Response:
h=11 m=29
